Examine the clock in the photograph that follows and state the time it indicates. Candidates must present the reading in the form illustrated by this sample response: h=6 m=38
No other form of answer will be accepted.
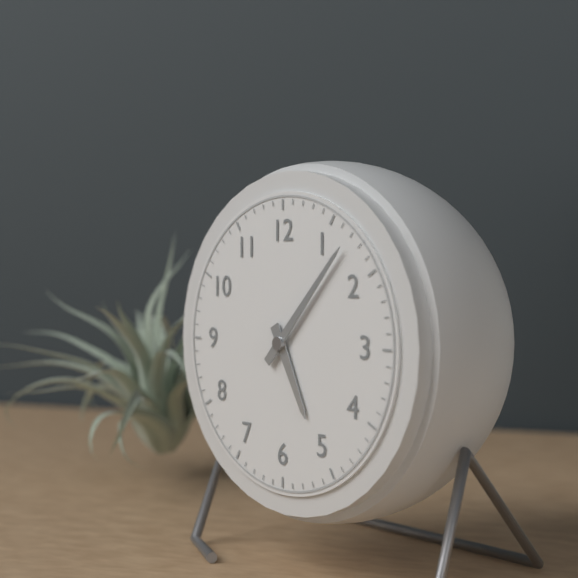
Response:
h=5 m=7
